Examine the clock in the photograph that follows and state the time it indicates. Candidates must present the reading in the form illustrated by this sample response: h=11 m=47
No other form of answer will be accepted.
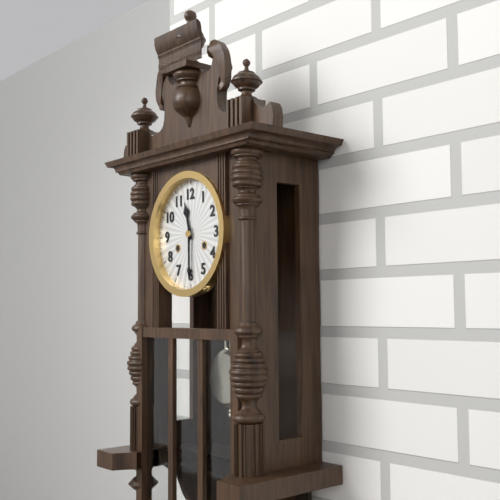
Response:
h=11 m=30
